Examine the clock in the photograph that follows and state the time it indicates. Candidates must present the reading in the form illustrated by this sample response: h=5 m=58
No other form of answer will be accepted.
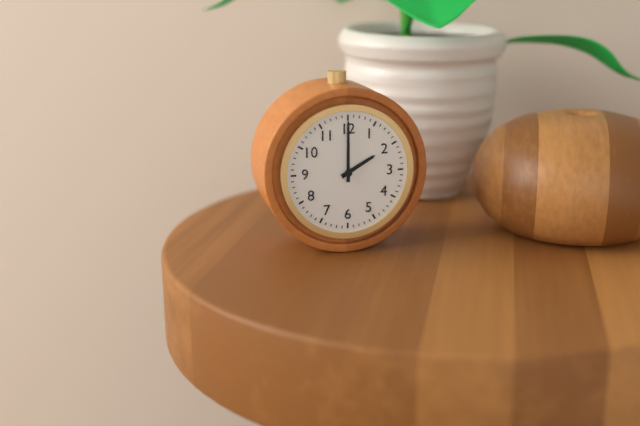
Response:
h=2 m=0
